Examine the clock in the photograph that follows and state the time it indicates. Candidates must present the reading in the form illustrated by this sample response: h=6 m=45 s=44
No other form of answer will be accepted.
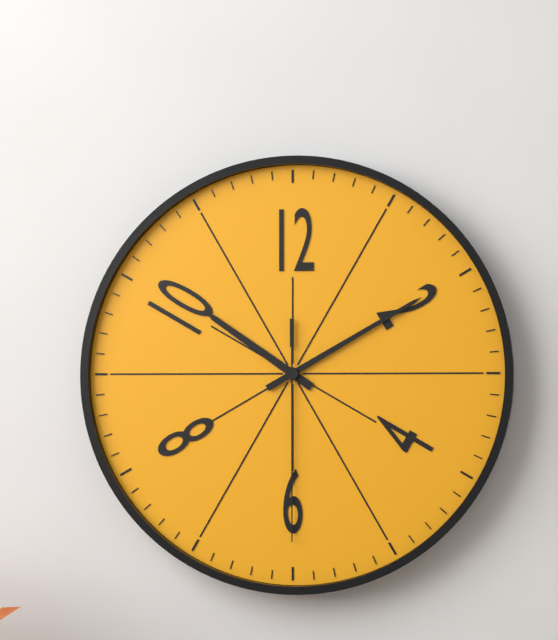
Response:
h=10 m=10 s=30
